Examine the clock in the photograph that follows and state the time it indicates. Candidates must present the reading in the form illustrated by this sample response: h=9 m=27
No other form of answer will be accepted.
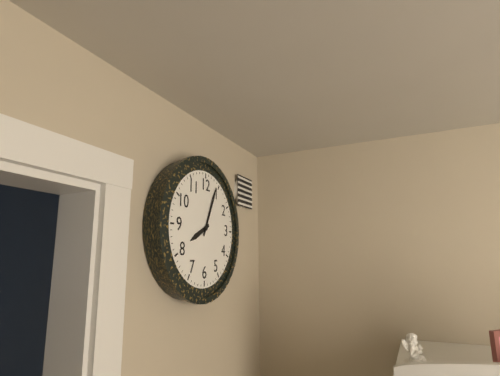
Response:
h=8 m=4
